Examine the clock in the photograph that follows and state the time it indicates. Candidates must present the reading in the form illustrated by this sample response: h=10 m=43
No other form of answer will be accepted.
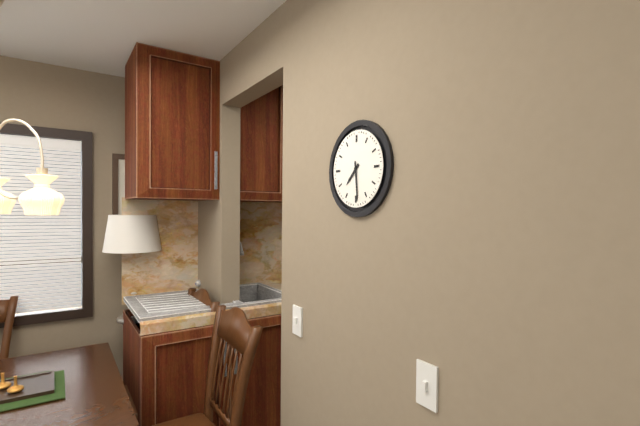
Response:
h=7 m=29
